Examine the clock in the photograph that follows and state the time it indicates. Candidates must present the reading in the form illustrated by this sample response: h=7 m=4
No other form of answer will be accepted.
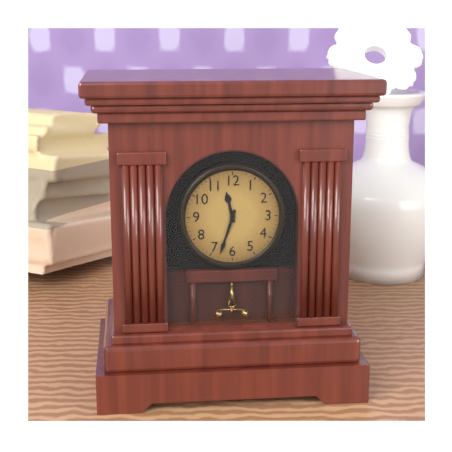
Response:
h=11 m=33
